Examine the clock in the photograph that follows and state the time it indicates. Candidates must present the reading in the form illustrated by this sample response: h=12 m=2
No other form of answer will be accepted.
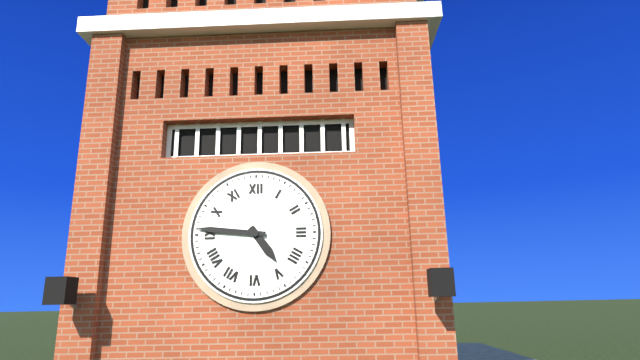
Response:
h=4 m=46
